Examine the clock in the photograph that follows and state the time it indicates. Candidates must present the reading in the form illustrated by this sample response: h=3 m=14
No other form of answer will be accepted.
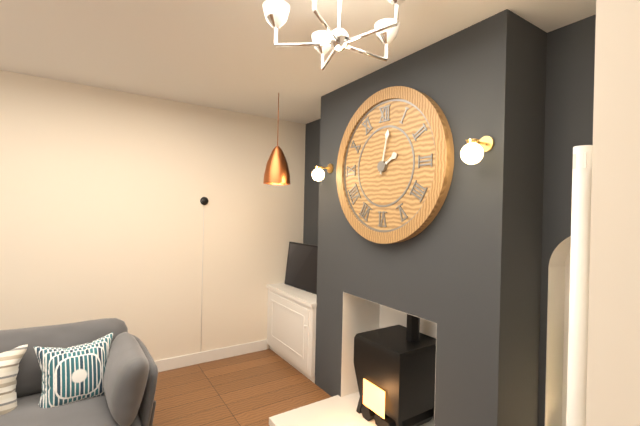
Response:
h=2 m=2
